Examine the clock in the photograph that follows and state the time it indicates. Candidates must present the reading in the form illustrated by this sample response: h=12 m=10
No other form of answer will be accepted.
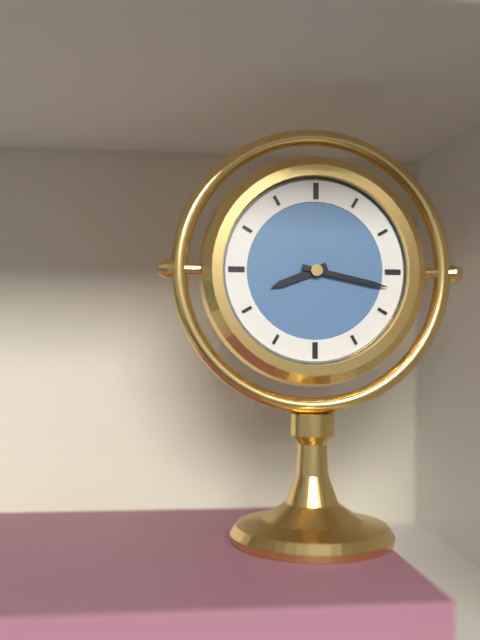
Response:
h=8 m=17
